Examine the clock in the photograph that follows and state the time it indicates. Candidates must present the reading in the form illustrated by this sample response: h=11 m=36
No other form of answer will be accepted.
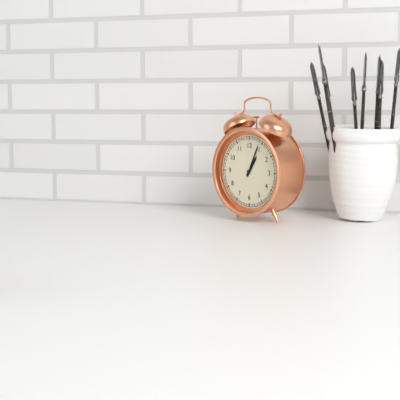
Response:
h=1 m=4
